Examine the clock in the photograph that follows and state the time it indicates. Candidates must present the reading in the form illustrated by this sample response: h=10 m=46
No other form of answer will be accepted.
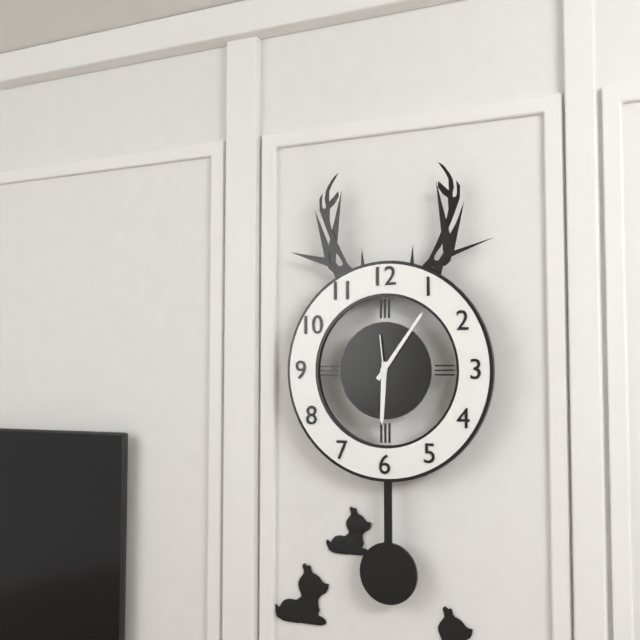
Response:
h=6 m=6
